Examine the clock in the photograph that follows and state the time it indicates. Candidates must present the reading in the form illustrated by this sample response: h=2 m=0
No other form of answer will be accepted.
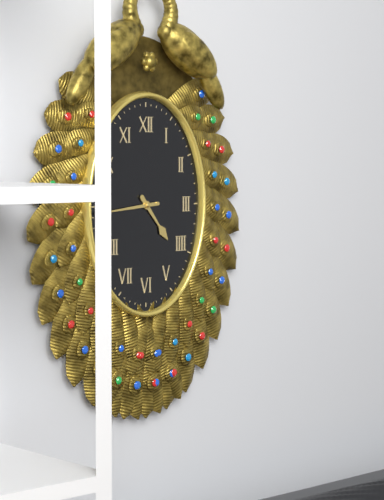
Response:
h=4 m=44
